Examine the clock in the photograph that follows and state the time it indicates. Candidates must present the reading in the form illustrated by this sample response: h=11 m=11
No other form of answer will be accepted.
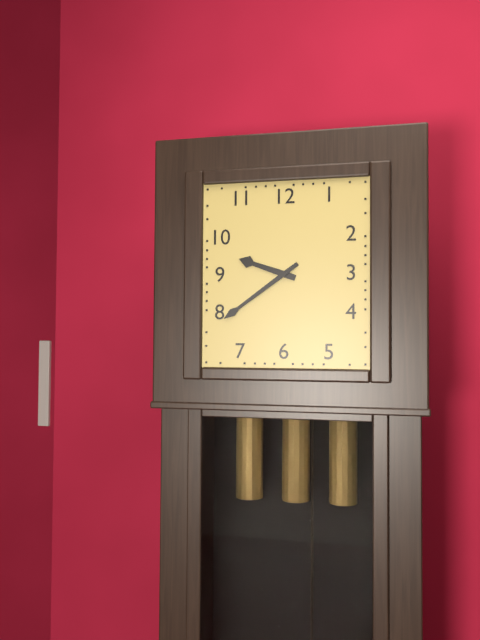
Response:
h=9 m=39
